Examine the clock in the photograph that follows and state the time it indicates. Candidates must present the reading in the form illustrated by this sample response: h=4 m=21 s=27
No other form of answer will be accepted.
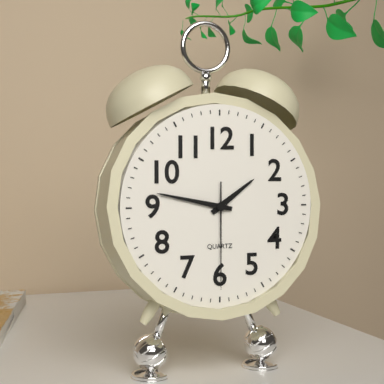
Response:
h=1 m=47 s=30
